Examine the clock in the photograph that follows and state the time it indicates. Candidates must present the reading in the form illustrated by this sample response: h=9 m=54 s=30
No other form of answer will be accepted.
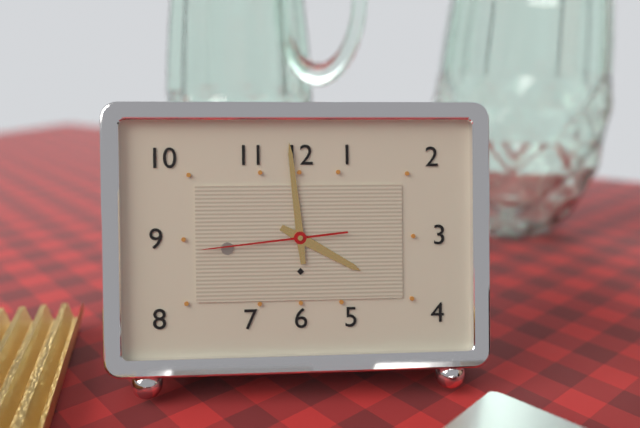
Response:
h=3 m=59 s=44
